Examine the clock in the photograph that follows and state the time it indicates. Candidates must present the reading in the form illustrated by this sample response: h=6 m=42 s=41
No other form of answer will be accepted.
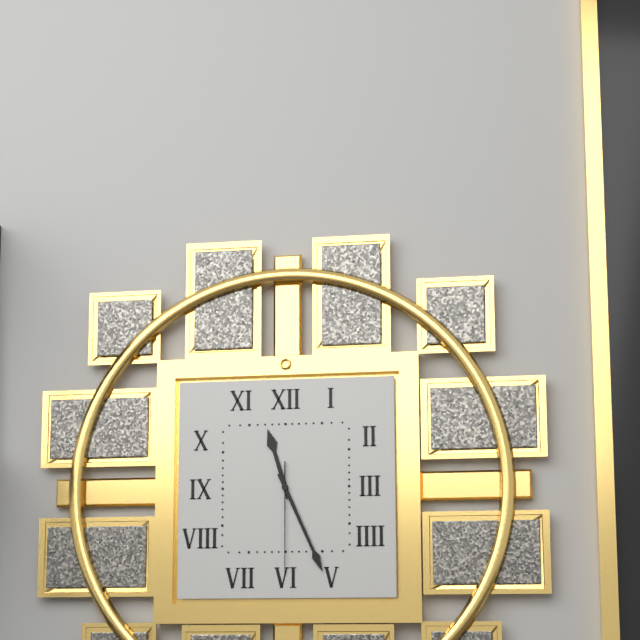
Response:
h=11 m=26 s=30
